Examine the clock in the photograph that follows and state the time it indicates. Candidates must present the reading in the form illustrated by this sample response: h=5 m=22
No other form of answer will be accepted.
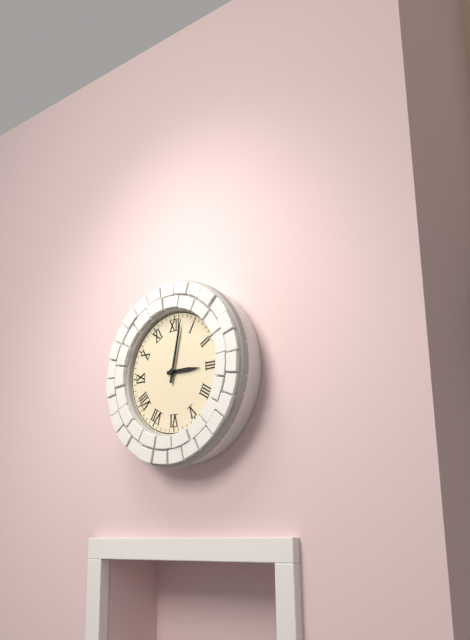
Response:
h=3 m=2
